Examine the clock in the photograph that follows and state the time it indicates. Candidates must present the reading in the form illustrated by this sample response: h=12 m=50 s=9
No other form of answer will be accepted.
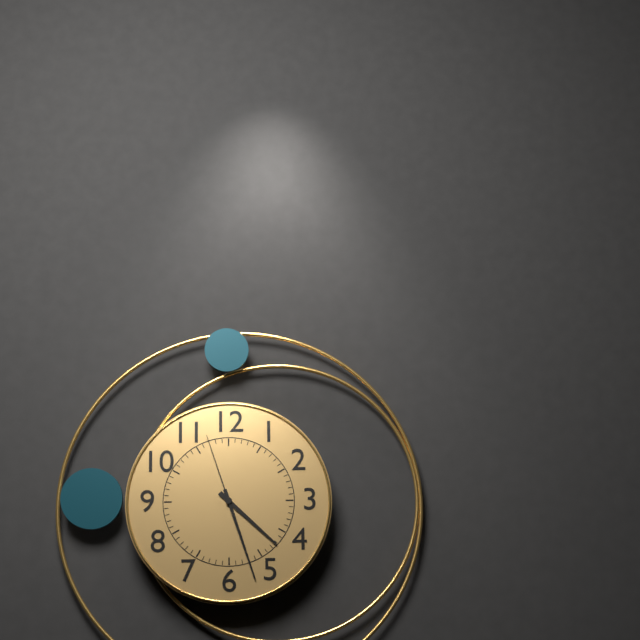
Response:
h=4 m=27 s=57
